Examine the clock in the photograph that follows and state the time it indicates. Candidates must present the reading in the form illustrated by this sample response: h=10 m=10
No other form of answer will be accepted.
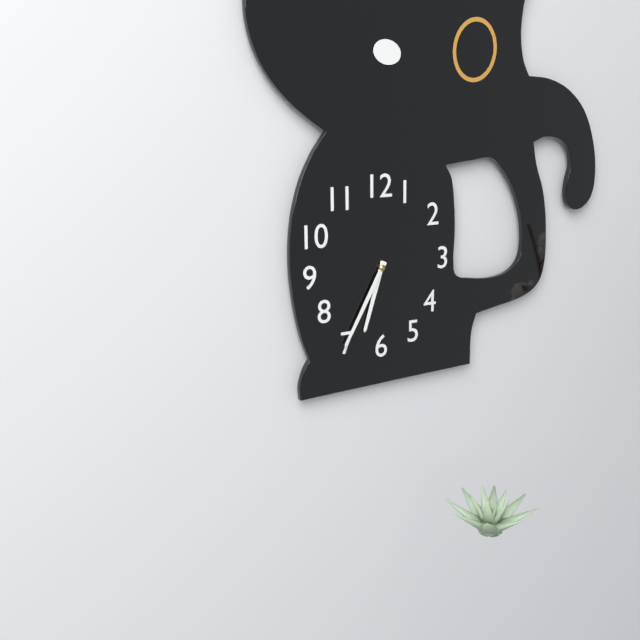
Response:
h=6 m=35
